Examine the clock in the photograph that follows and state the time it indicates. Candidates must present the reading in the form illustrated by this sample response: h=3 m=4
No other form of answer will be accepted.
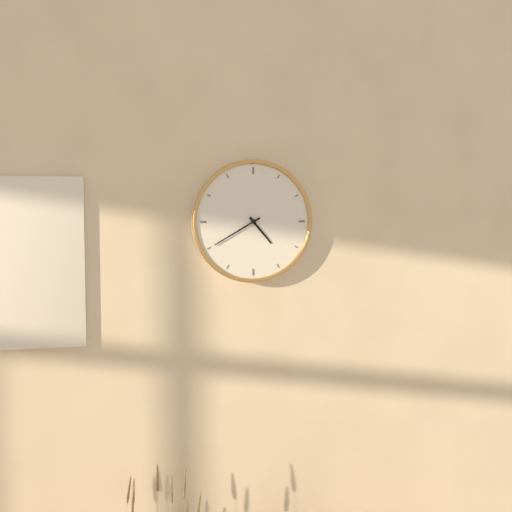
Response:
h=4 m=40
